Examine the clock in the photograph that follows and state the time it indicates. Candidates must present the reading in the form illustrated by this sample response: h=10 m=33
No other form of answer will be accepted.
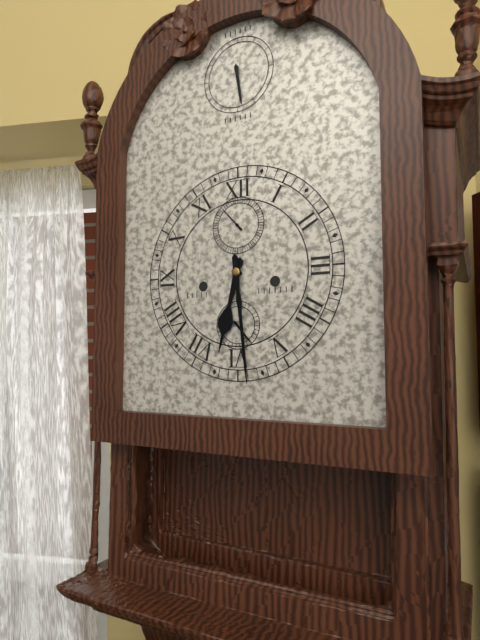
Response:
h=6 m=29
